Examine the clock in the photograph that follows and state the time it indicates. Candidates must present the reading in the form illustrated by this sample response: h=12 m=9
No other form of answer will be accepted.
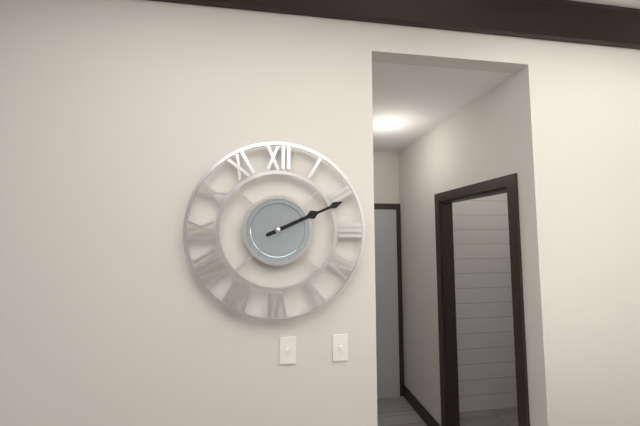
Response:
h=2 m=11
